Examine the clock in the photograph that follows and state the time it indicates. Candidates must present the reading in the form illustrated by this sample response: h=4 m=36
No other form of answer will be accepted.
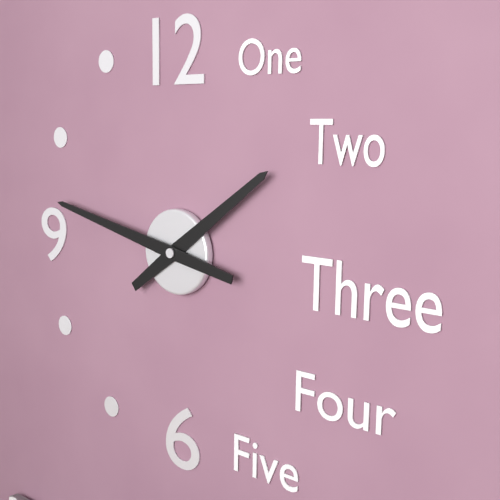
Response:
h=1 m=47
